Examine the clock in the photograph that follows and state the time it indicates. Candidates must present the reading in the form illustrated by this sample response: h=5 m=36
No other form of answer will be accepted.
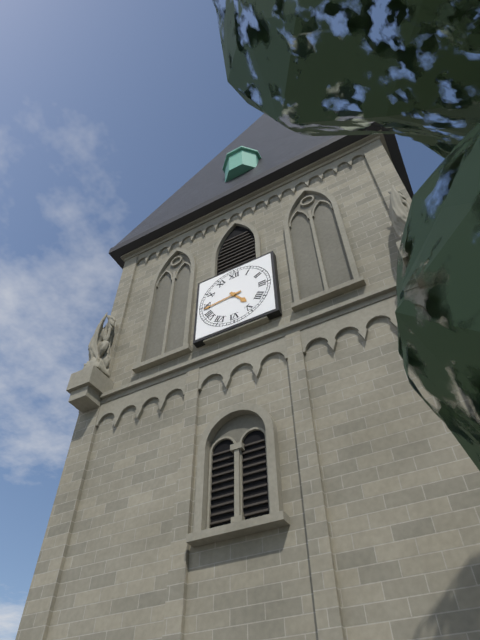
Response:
h=4 m=44
